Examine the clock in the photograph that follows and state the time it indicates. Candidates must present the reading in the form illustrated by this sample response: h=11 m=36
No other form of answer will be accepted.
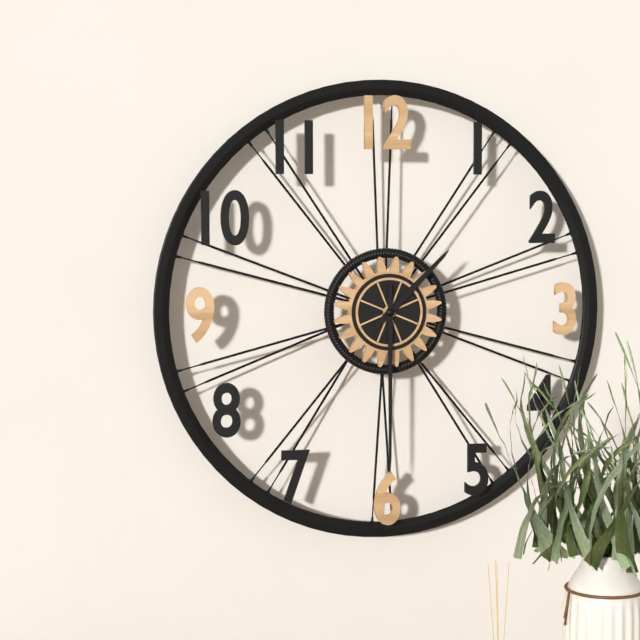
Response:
h=1 m=30
